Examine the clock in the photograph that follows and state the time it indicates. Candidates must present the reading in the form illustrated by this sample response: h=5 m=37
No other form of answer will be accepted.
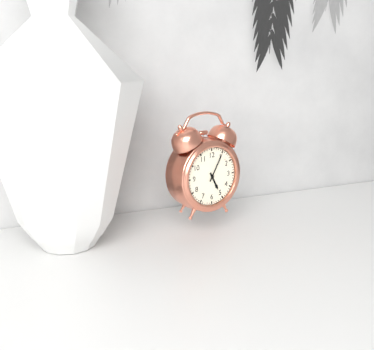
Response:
h=5 m=5
